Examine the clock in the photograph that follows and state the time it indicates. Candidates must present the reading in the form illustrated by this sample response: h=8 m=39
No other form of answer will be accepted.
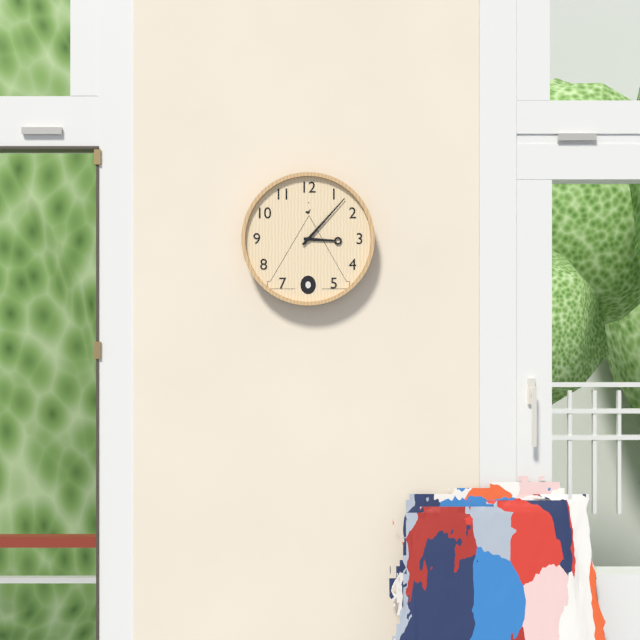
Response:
h=3 m=7
